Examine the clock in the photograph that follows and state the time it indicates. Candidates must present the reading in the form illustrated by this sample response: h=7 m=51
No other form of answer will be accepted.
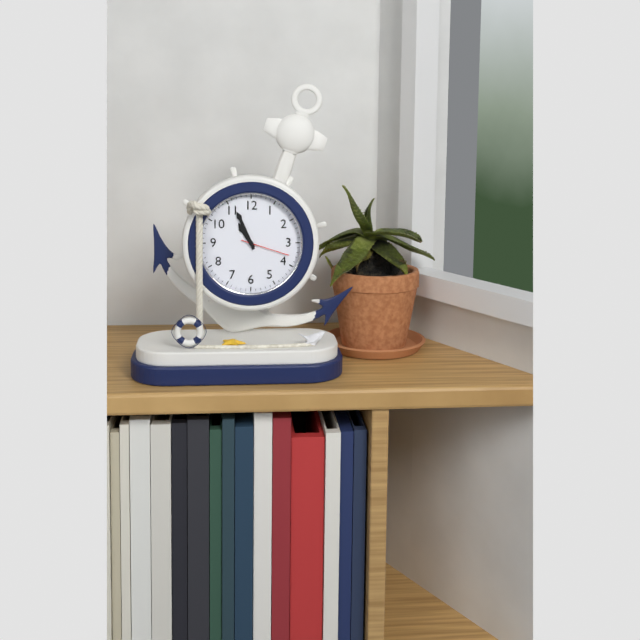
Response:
h=10 m=56
